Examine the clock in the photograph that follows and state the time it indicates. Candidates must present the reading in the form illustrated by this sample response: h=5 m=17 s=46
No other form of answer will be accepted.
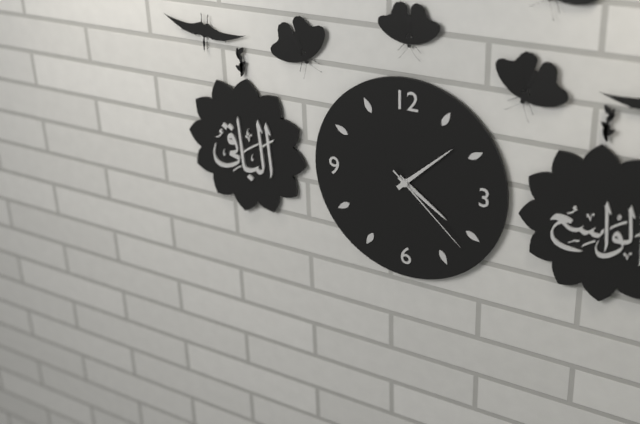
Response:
h=4 m=8 s=22
